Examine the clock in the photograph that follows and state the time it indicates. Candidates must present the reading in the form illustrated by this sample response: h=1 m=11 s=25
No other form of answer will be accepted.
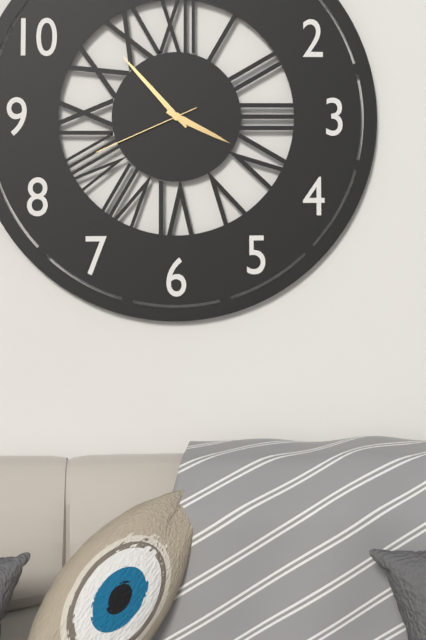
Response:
h=3 m=53 s=41
